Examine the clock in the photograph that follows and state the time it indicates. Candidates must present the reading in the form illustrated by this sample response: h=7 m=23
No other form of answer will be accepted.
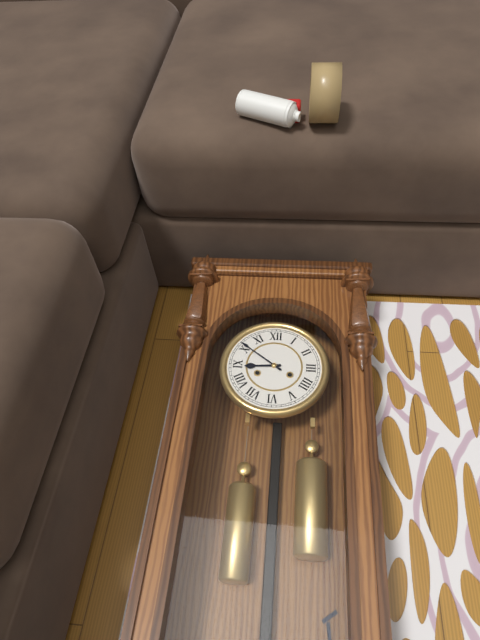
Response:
h=8 m=51
